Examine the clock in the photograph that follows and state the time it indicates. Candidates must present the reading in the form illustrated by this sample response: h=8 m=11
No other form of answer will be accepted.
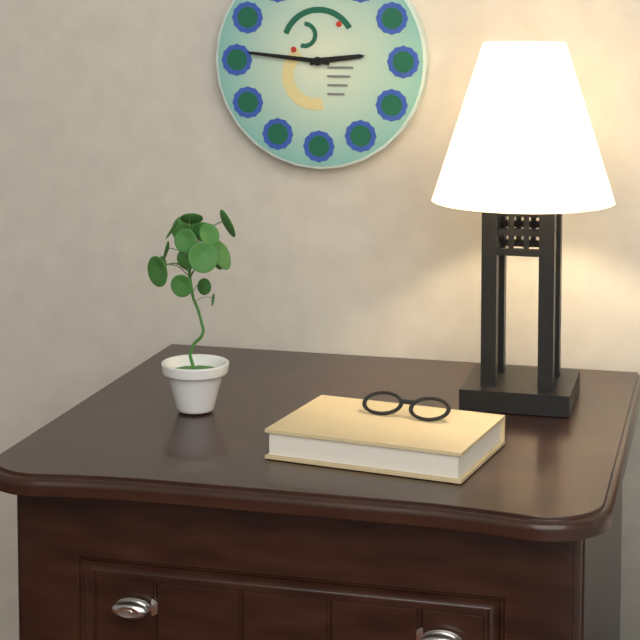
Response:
h=2 m=46
